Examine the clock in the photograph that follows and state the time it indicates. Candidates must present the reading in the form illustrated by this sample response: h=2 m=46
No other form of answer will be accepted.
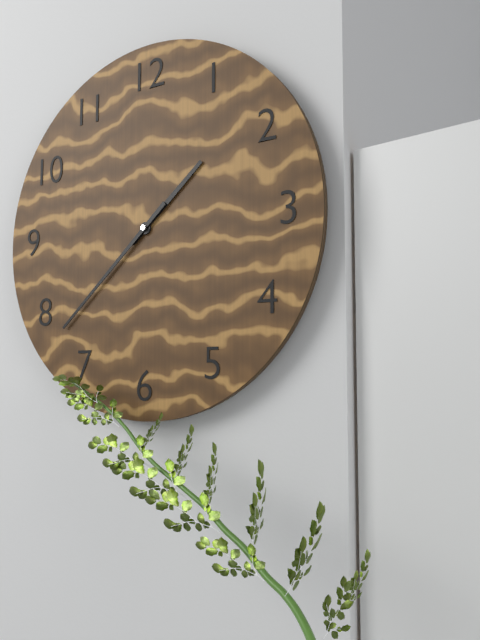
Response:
h=1 m=38
